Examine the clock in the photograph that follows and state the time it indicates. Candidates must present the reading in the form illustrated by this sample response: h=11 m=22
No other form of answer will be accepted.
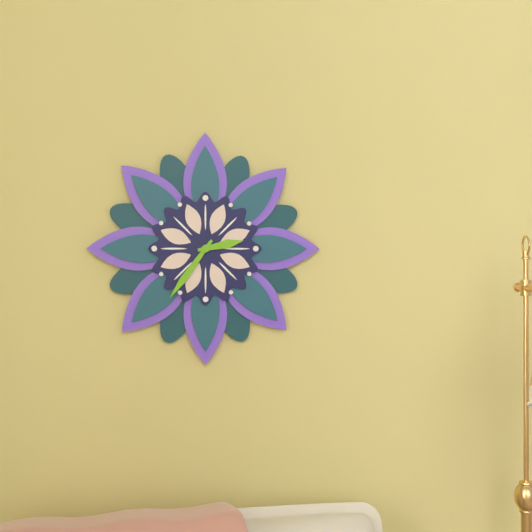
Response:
h=2 m=36
